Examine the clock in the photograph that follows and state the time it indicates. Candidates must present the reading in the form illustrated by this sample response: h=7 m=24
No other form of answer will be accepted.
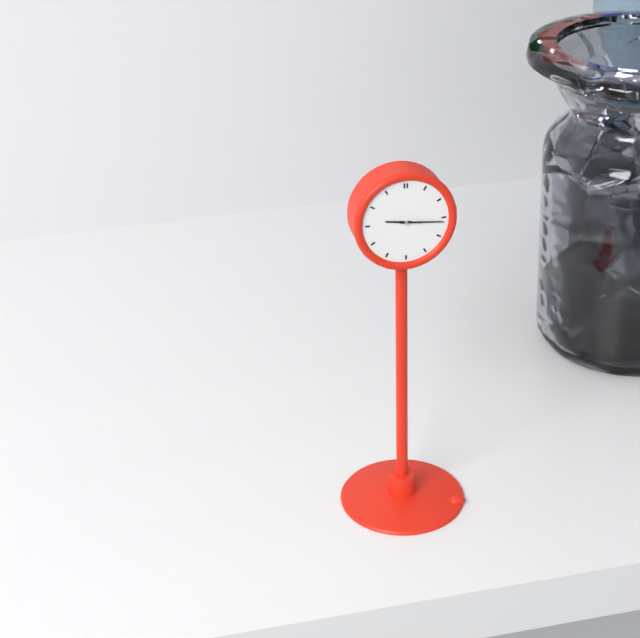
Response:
h=9 m=16
